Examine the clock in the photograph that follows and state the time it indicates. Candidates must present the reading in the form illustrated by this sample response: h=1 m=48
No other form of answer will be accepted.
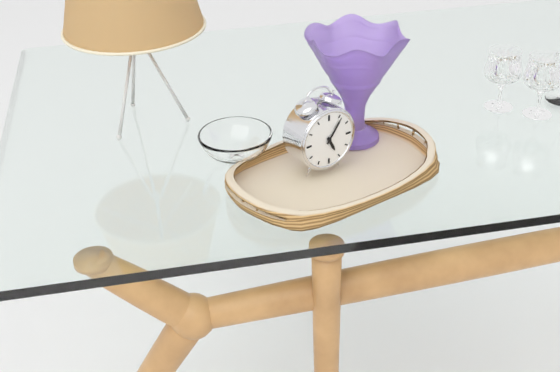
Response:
h=5 m=6
